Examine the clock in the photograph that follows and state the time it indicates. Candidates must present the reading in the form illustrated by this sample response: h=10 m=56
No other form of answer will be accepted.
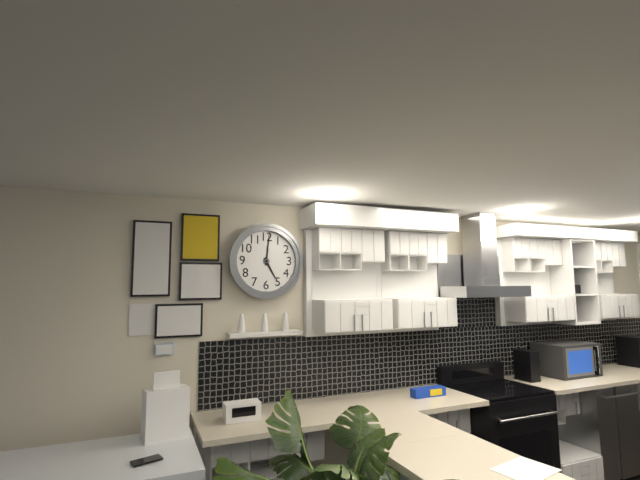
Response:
h=5 m=1
